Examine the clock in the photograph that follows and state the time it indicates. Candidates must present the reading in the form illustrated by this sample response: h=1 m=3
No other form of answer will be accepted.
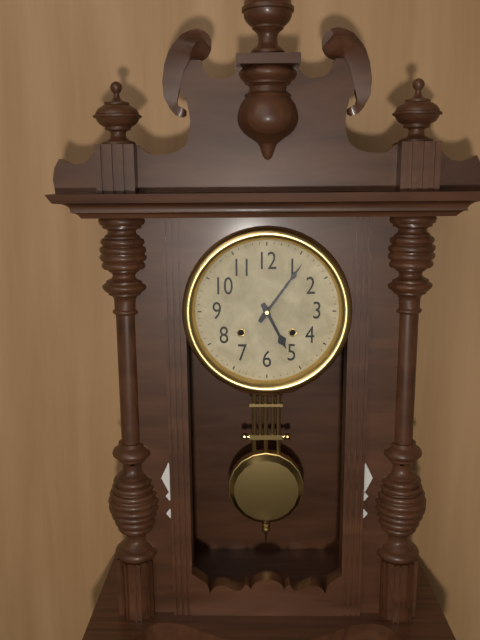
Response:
h=5 m=6
